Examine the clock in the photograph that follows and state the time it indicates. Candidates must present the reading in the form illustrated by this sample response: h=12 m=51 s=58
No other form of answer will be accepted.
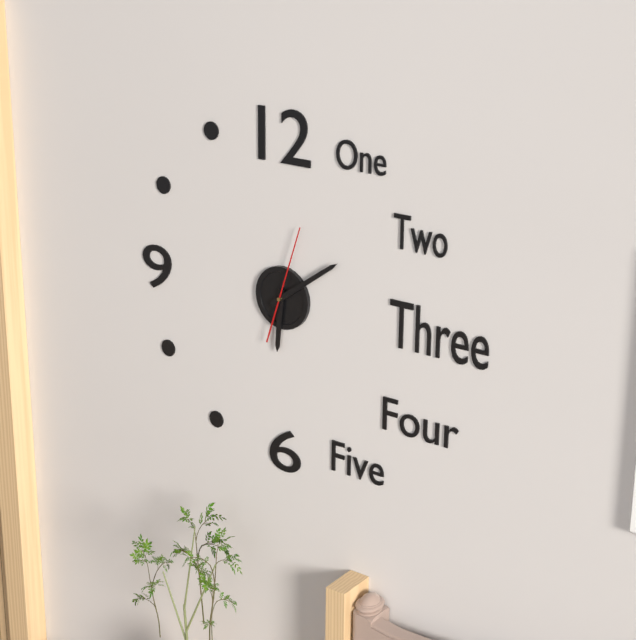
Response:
h=6 m=9 s=3
